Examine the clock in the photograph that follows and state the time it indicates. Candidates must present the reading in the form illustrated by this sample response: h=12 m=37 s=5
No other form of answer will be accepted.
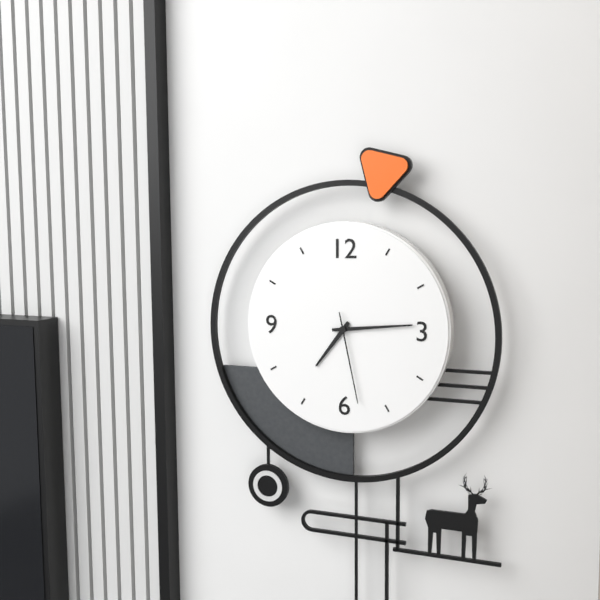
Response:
h=7 m=14 s=28
